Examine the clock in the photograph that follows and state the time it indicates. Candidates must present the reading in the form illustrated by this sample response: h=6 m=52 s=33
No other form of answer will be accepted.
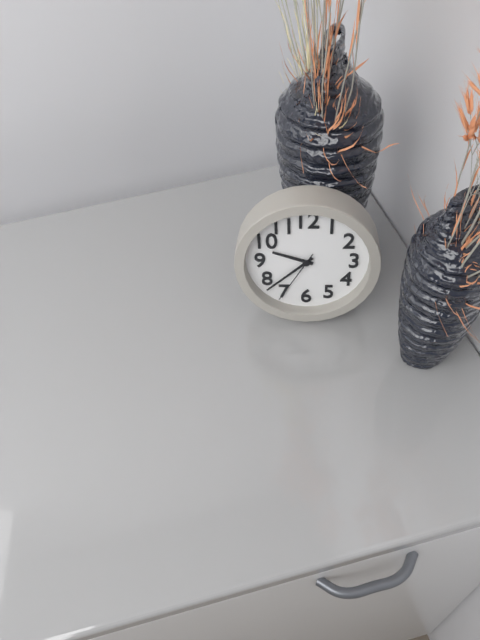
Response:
h=9 m=38 s=35
